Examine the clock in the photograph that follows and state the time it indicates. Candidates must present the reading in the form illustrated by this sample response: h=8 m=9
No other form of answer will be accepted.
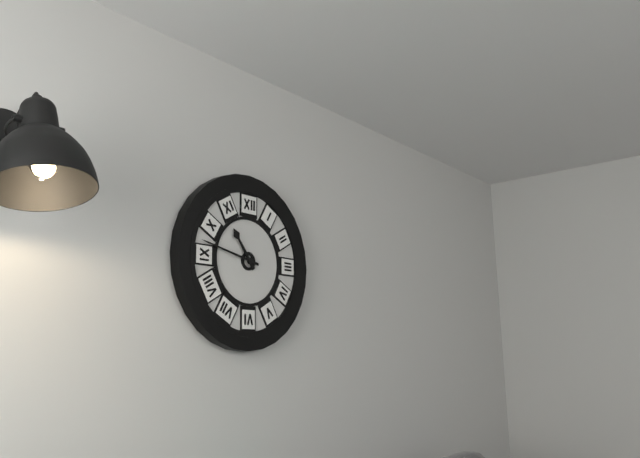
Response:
h=10 m=47
